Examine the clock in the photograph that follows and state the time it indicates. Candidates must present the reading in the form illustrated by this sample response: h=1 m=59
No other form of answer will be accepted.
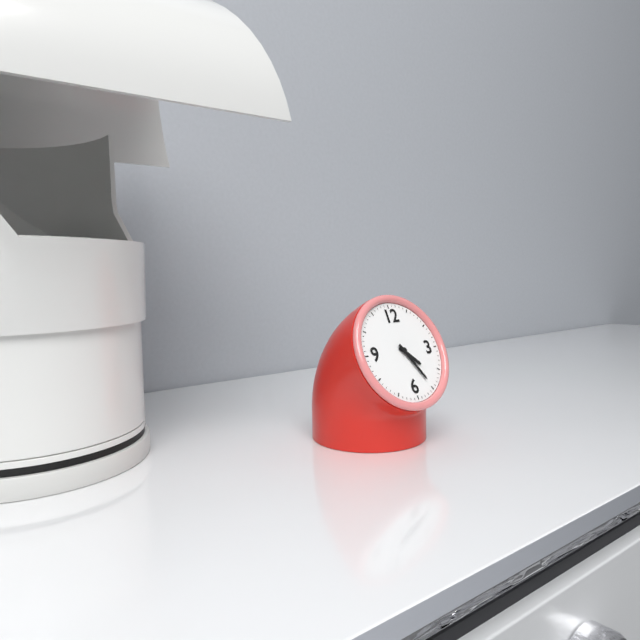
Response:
h=4 m=25
